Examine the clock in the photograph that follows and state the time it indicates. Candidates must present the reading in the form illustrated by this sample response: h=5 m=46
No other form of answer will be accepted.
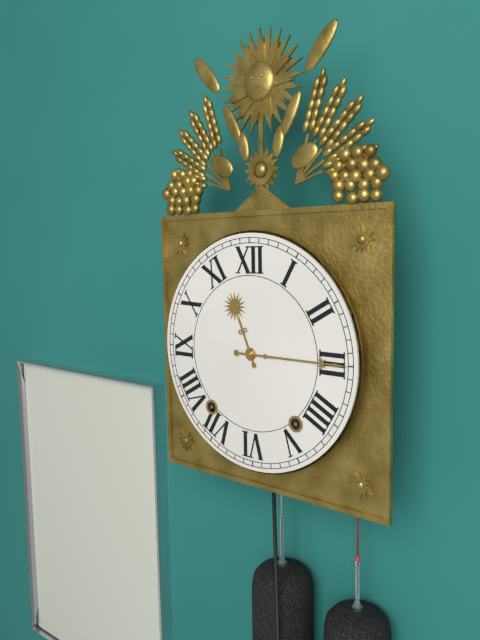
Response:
h=11 m=15
